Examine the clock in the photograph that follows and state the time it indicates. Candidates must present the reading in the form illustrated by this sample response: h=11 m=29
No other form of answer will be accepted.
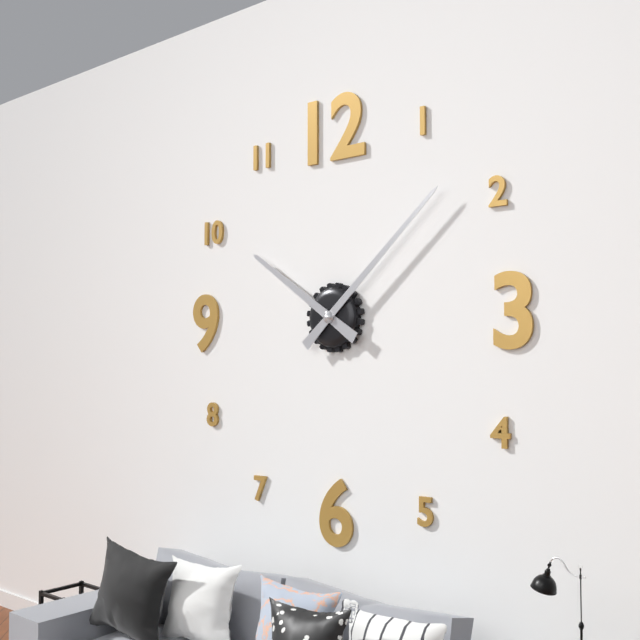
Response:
h=10 m=8
